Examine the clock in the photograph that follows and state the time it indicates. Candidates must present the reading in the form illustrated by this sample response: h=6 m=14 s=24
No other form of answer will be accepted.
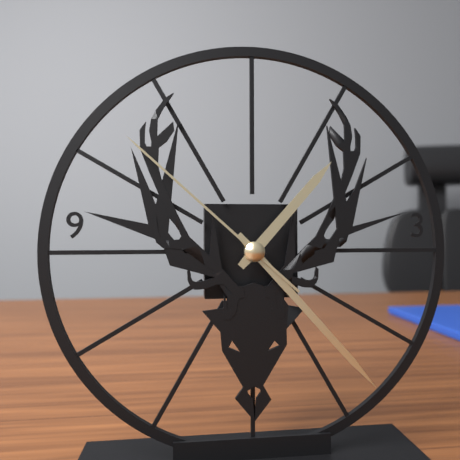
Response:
h=1 m=23 s=52
